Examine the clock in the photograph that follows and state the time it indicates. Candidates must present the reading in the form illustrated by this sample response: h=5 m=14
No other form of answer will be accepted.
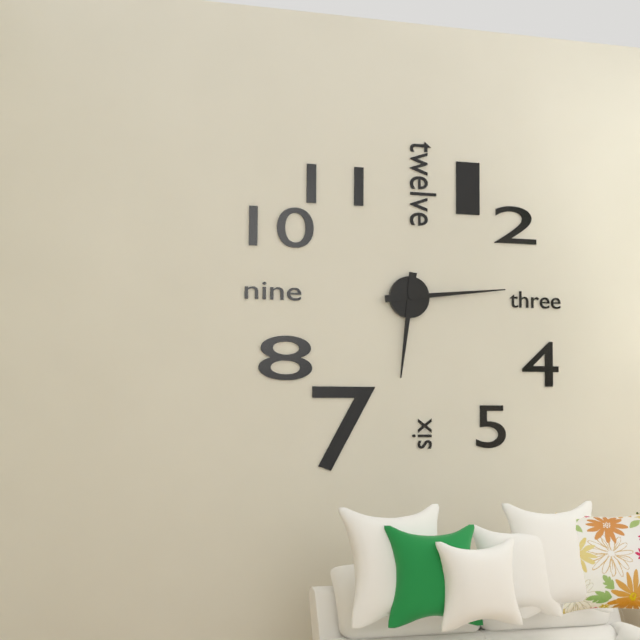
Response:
h=6 m=14
